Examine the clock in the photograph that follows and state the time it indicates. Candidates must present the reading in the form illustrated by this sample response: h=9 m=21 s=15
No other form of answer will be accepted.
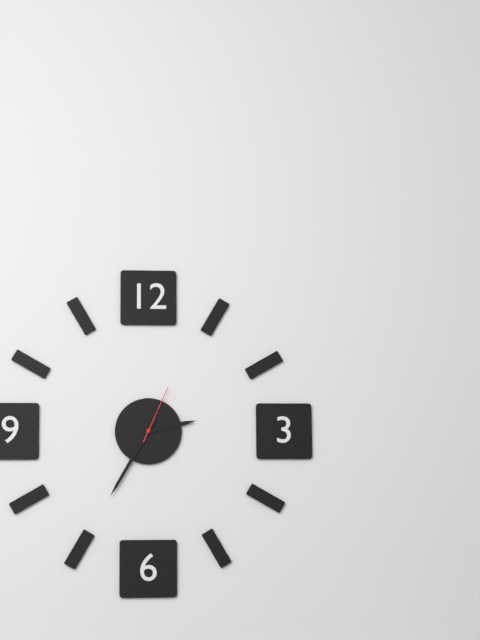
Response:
h=2 m=35 s=4
